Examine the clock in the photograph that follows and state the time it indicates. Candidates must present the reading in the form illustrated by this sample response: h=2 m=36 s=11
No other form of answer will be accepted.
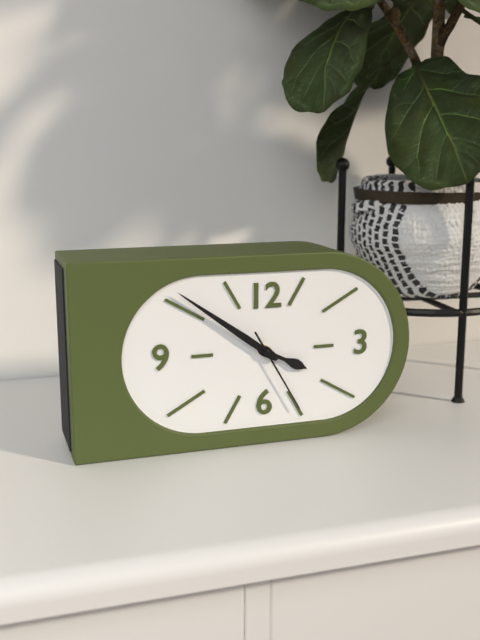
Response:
h=3 m=51 s=25
